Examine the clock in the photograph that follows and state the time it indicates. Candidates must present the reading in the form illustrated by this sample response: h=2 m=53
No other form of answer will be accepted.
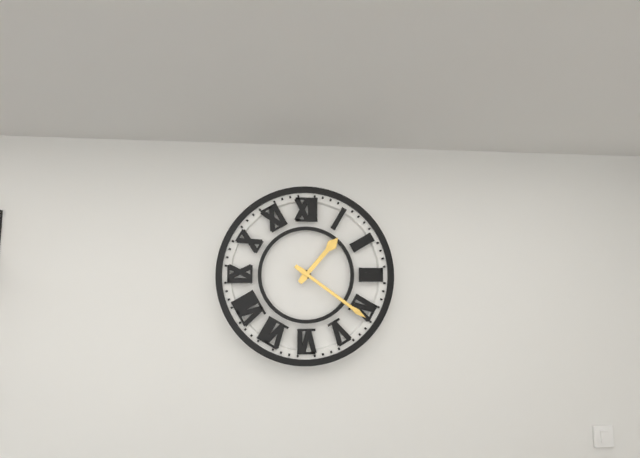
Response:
h=1 m=21
